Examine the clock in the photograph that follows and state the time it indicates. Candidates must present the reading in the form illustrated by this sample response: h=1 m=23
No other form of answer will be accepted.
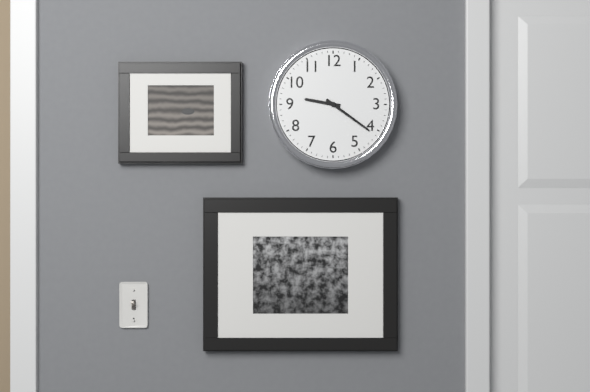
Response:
h=9 m=21
